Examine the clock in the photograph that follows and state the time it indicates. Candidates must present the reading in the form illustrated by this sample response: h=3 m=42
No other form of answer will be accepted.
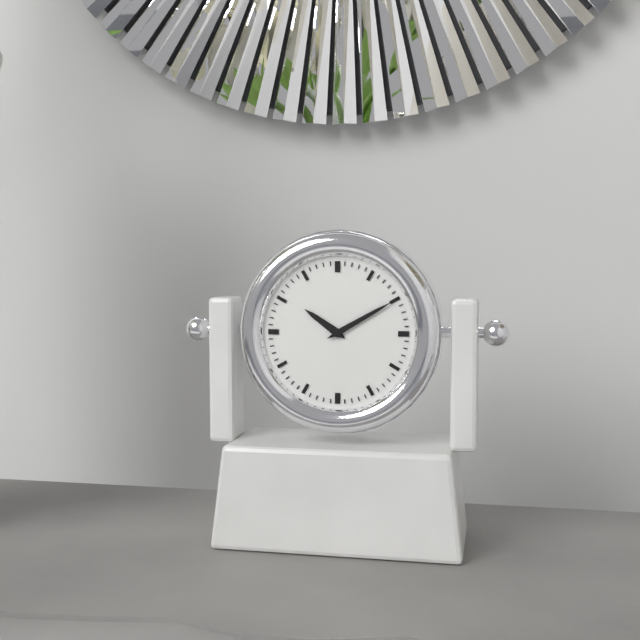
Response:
h=10 m=10
